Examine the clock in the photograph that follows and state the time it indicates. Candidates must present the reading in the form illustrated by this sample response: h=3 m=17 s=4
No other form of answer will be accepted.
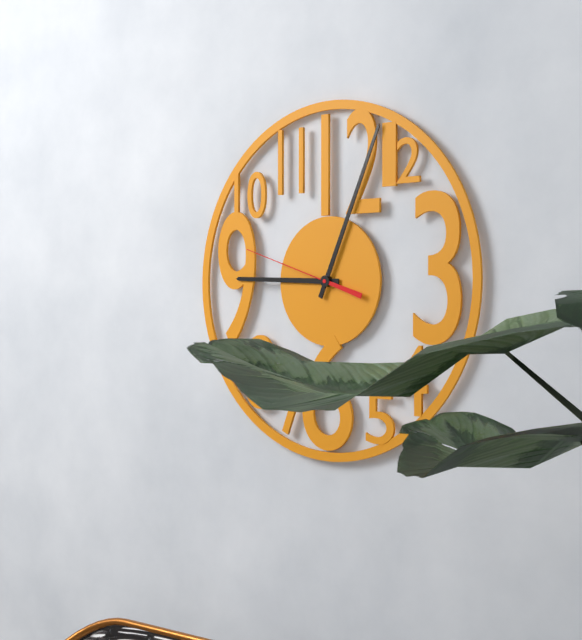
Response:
h=9 m=4 s=48
